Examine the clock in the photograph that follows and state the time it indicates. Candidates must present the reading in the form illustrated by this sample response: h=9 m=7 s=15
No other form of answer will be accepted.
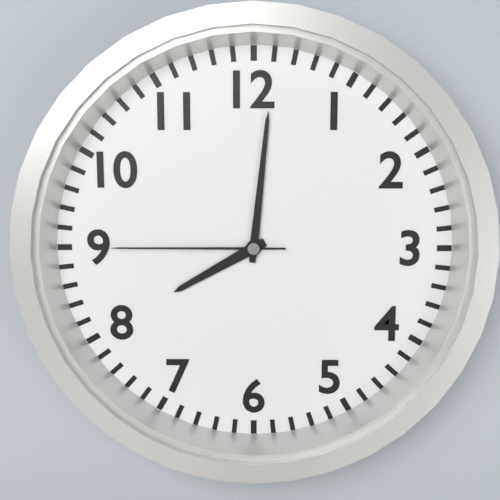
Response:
h=8 m=1 s=45
